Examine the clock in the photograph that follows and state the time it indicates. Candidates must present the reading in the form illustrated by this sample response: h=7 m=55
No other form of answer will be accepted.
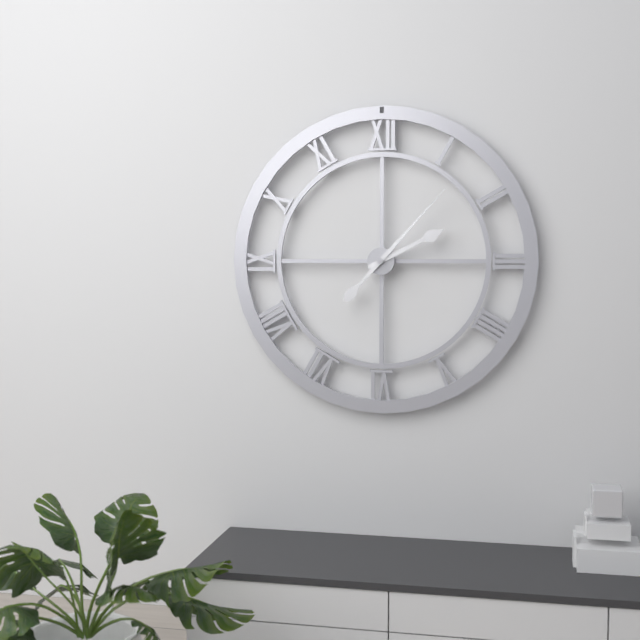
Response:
h=2 m=7
